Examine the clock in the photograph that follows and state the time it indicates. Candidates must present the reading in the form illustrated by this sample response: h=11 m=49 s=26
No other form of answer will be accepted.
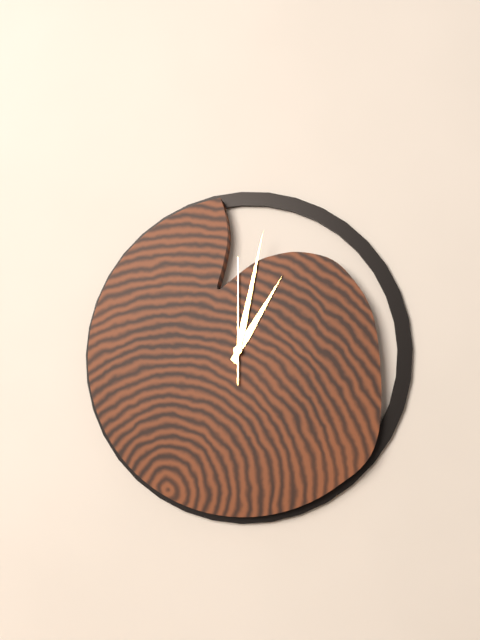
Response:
h=1 m=2 s=0
